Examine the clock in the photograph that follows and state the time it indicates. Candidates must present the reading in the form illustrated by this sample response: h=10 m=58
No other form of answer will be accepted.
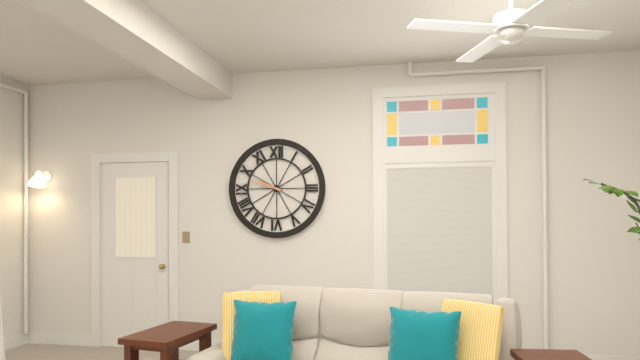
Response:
h=9 m=48
